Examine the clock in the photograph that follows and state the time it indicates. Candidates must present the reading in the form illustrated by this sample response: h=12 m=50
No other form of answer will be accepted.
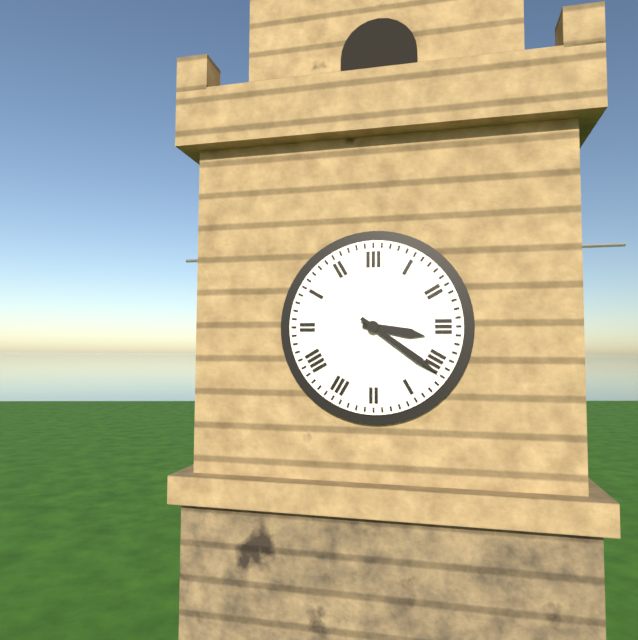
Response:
h=3 m=21
